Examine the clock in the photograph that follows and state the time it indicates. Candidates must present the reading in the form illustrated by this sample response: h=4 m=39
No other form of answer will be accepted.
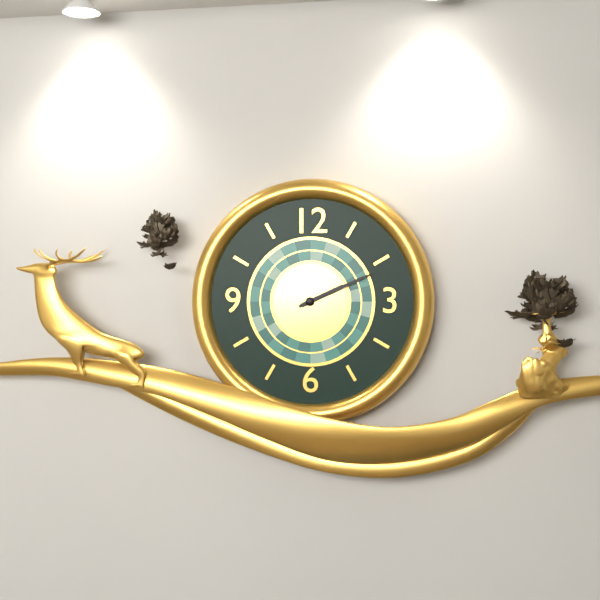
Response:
h=2 m=11
